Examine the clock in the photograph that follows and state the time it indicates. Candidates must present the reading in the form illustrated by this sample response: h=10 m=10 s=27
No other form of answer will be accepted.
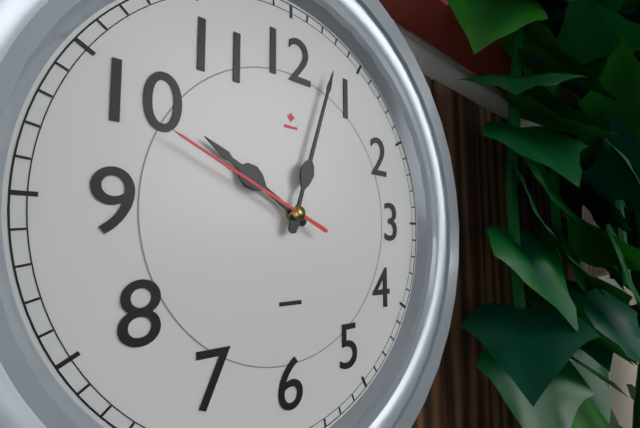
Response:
h=10 m=3 s=49
